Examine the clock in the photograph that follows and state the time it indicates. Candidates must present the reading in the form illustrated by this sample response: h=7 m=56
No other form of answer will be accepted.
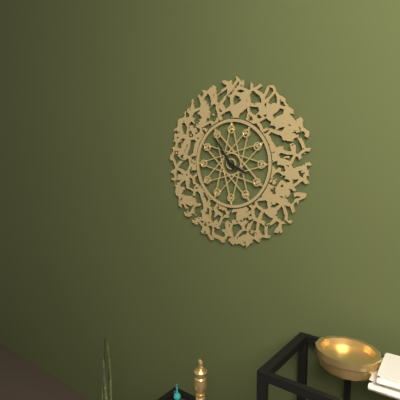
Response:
h=3 m=54
